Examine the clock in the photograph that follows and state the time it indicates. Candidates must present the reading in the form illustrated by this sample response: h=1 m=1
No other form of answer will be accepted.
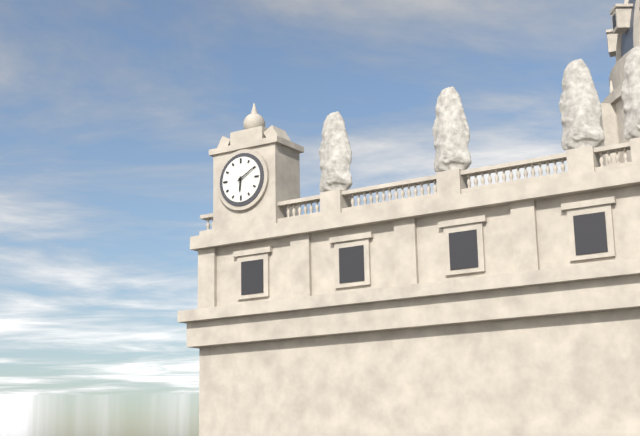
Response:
h=6 m=10
